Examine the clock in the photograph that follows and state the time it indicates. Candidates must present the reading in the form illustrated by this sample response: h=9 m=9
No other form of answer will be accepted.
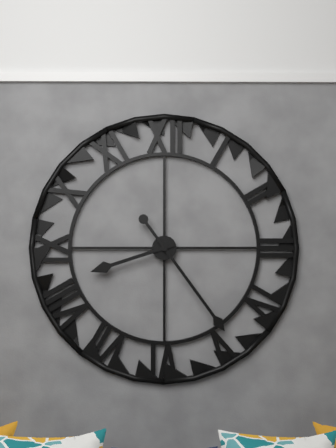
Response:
h=8 m=24
